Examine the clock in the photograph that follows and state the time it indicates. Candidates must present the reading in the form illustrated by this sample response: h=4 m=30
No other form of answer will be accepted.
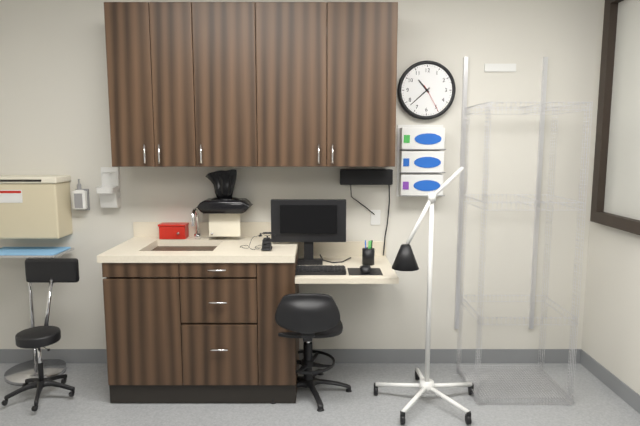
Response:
h=10 m=38
